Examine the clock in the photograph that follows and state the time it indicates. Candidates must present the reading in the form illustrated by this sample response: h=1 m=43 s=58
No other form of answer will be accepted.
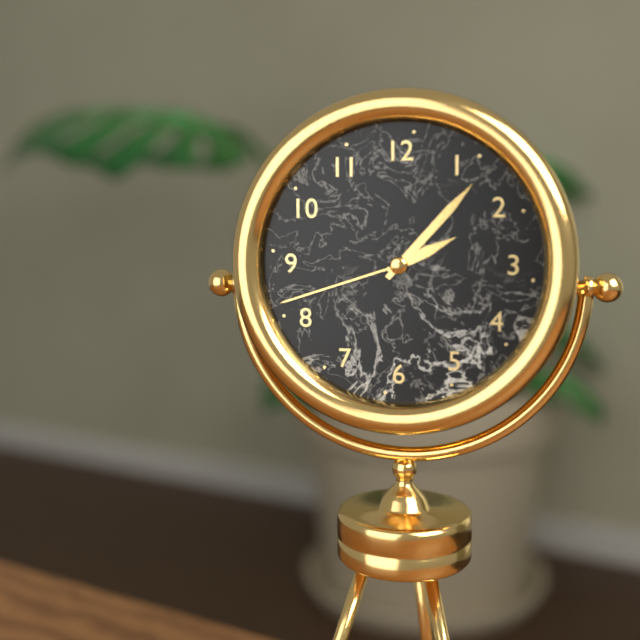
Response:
h=2 m=7 s=42
